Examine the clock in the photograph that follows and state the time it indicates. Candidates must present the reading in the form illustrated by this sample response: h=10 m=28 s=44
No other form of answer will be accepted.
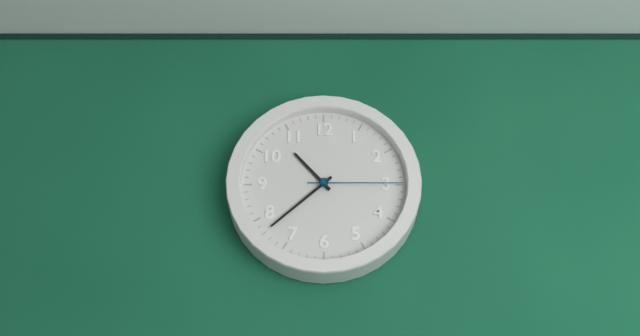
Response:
h=10 m=38 s=15
